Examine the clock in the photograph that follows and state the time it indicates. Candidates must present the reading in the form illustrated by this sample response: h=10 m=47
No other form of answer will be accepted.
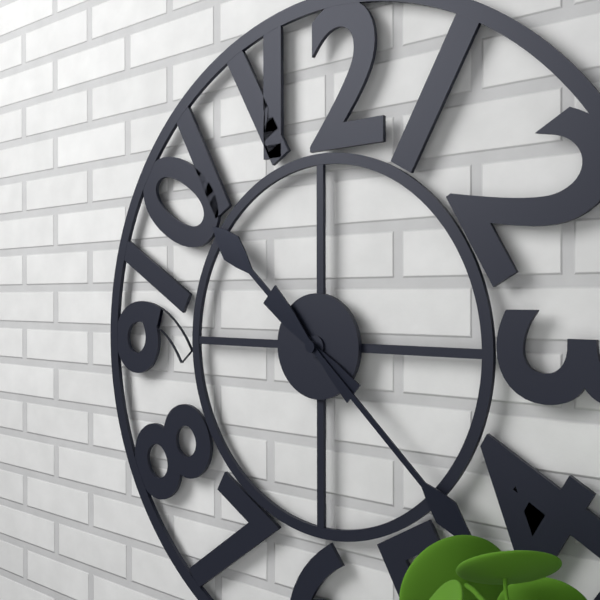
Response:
h=10 m=22
